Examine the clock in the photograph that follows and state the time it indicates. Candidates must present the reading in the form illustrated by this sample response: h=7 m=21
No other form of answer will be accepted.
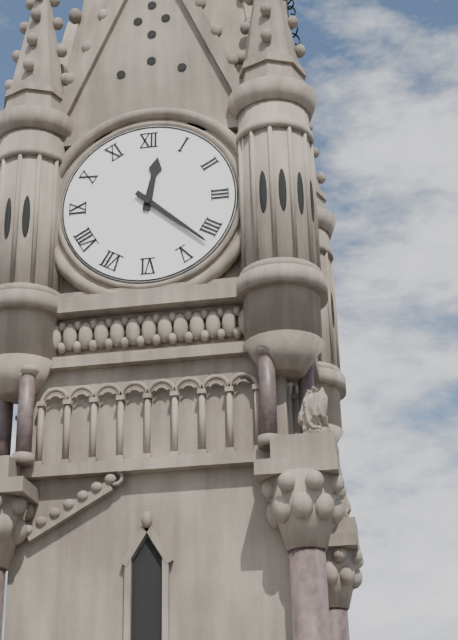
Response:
h=12 m=22
